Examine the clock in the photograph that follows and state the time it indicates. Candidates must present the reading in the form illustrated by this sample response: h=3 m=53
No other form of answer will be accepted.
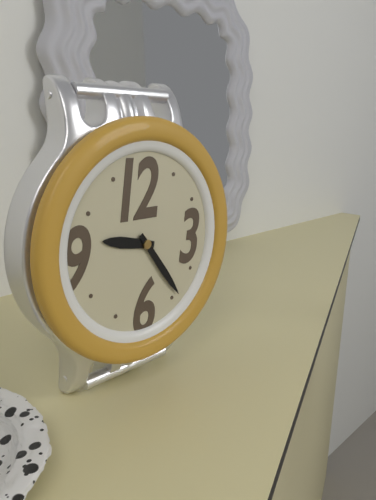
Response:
h=9 m=24
